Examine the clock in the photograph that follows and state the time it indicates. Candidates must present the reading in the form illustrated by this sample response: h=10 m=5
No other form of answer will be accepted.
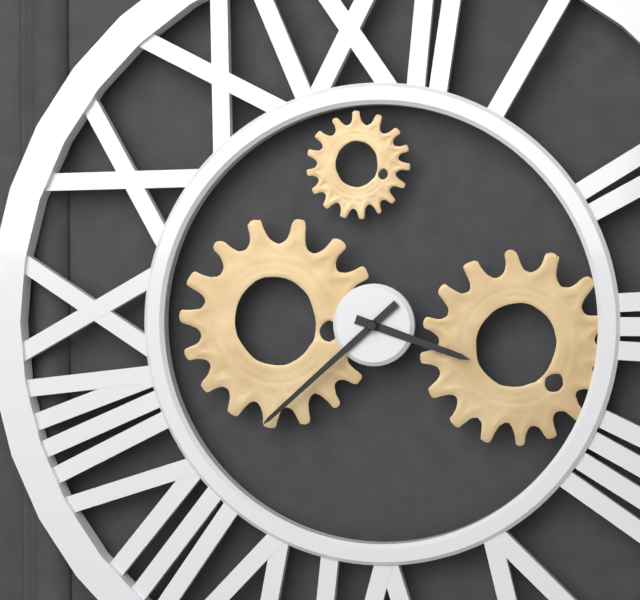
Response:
h=3 m=38
